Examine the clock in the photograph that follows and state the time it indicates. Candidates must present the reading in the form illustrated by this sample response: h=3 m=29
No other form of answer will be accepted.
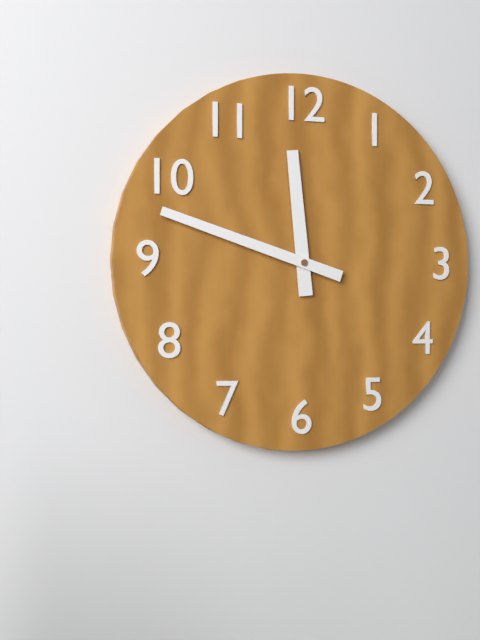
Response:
h=11 m=48
